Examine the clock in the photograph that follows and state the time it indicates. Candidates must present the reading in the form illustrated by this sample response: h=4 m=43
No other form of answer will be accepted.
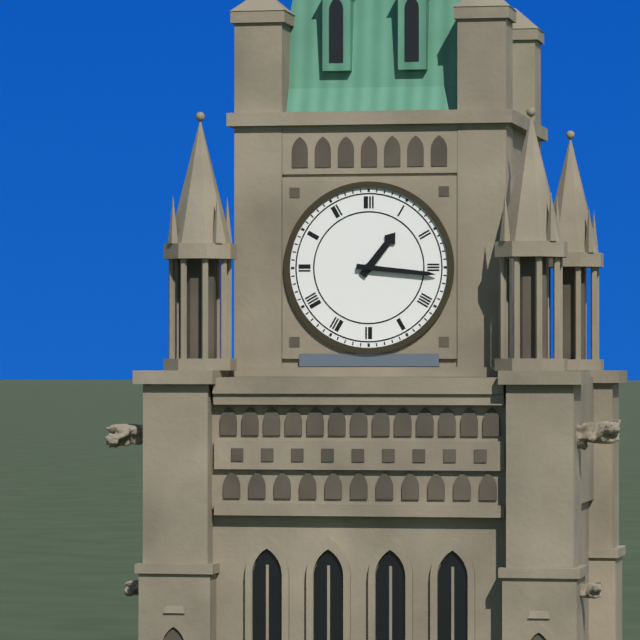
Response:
h=1 m=16
